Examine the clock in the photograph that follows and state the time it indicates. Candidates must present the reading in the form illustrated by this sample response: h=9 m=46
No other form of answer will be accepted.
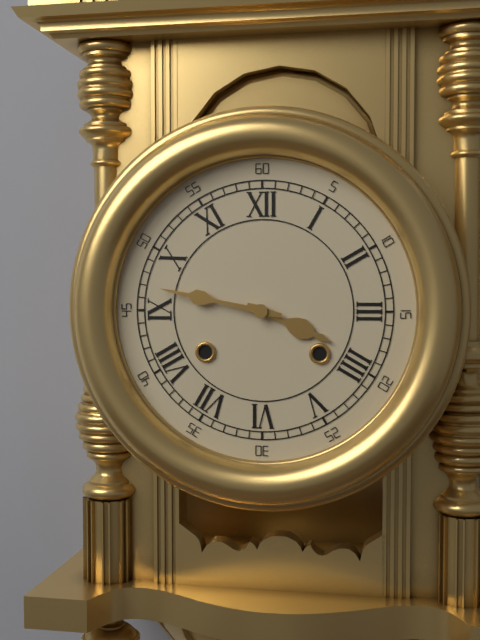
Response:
h=3 m=47
